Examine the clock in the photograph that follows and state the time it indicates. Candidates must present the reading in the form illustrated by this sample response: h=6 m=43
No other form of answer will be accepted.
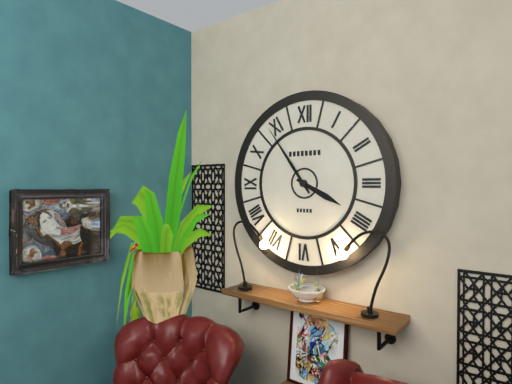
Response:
h=3 m=54
